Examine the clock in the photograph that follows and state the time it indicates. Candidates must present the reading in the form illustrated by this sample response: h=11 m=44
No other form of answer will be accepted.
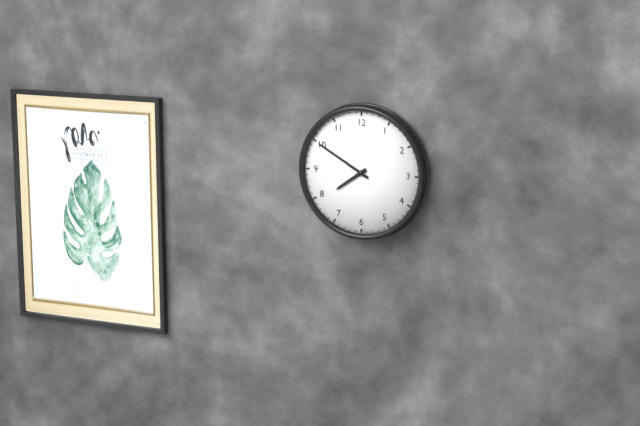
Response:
h=7 m=50
